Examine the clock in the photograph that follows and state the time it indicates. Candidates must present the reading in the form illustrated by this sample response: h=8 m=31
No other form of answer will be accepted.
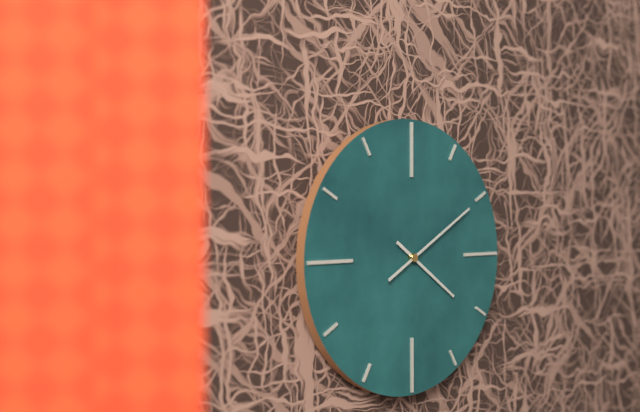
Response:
h=4 m=10
